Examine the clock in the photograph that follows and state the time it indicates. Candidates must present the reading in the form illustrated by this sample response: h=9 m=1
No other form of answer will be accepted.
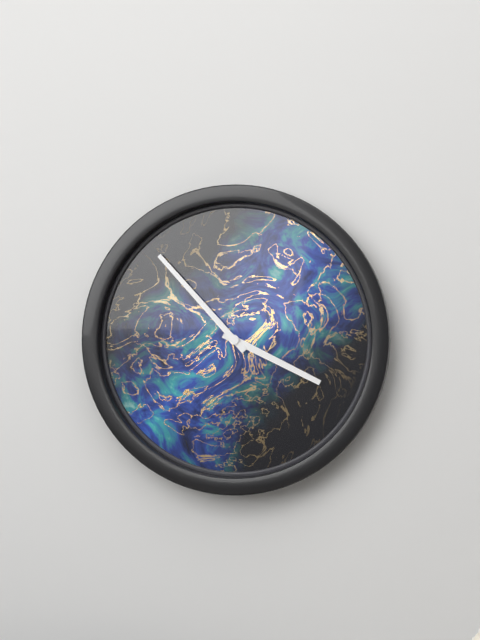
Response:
h=3 m=53
